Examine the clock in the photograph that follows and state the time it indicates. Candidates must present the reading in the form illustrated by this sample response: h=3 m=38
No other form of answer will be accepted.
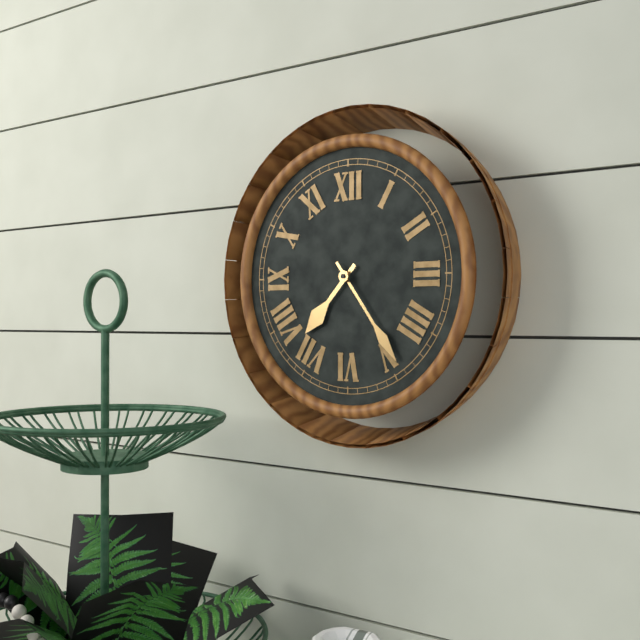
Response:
h=7 m=24
